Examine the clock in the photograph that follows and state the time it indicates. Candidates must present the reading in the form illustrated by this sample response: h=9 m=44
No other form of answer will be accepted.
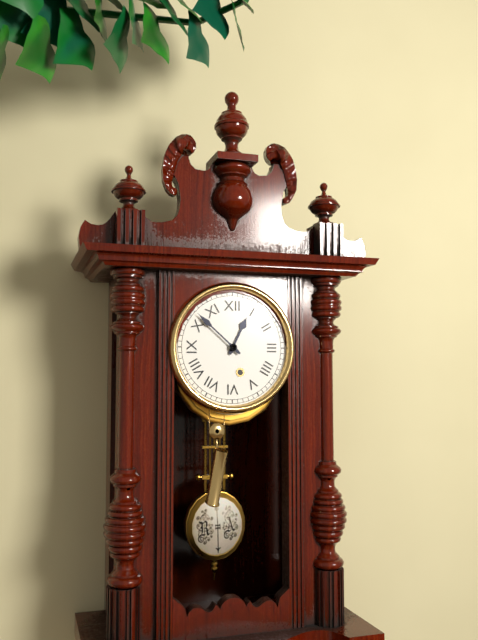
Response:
h=12 m=52
